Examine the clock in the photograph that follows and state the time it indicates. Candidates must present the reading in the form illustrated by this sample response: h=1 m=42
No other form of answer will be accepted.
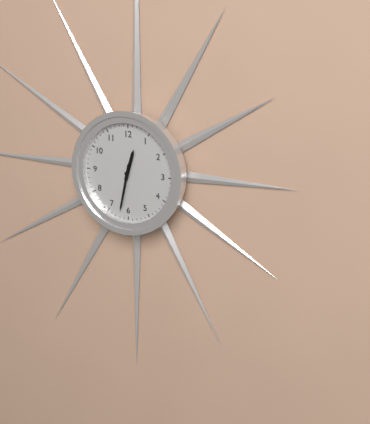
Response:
h=12 m=32
